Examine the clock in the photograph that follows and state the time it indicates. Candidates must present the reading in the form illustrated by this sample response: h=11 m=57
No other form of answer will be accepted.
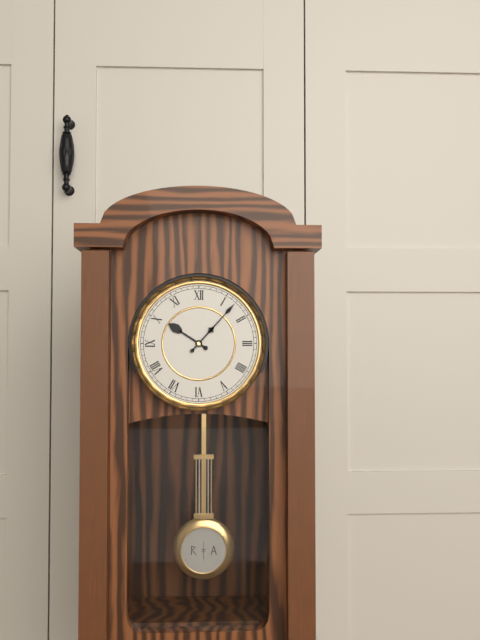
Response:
h=10 m=7
